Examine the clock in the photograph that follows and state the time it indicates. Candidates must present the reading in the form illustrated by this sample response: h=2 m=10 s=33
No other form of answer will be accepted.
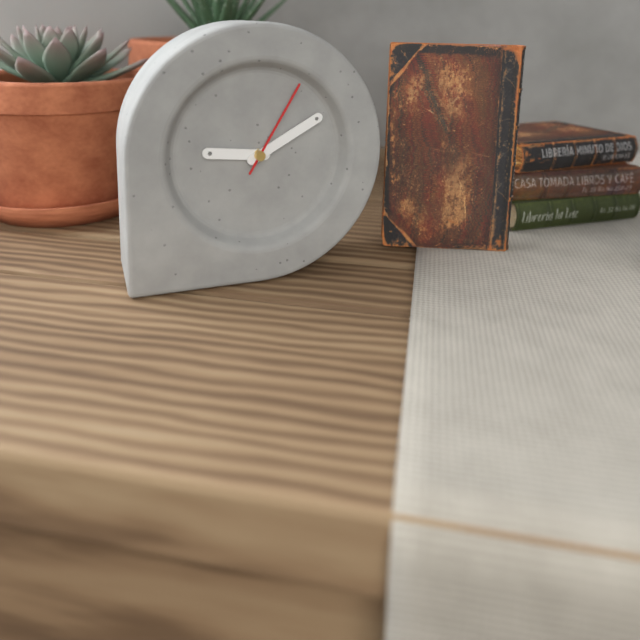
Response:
h=9 m=10 s=5
